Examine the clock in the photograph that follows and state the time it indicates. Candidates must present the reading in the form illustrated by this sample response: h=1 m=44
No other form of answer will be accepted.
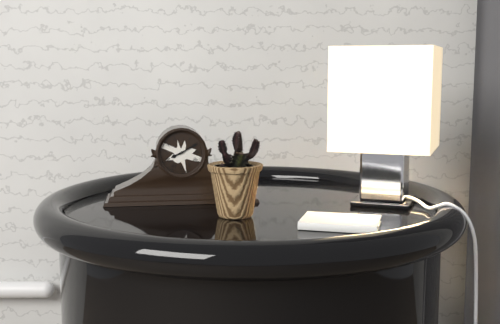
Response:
h=8 m=10
